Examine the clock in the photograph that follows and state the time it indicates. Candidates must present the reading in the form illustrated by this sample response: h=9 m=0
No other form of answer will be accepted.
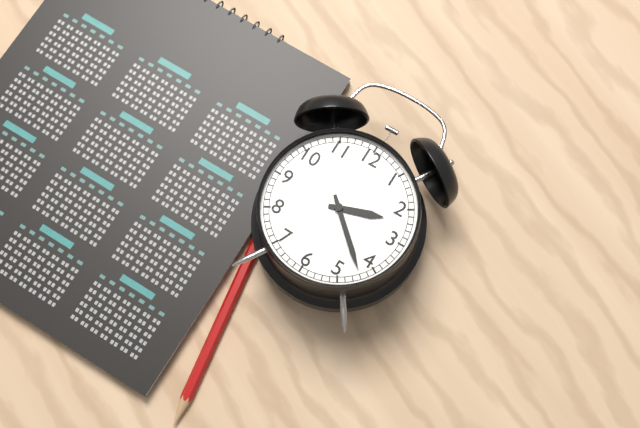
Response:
h=2 m=22
